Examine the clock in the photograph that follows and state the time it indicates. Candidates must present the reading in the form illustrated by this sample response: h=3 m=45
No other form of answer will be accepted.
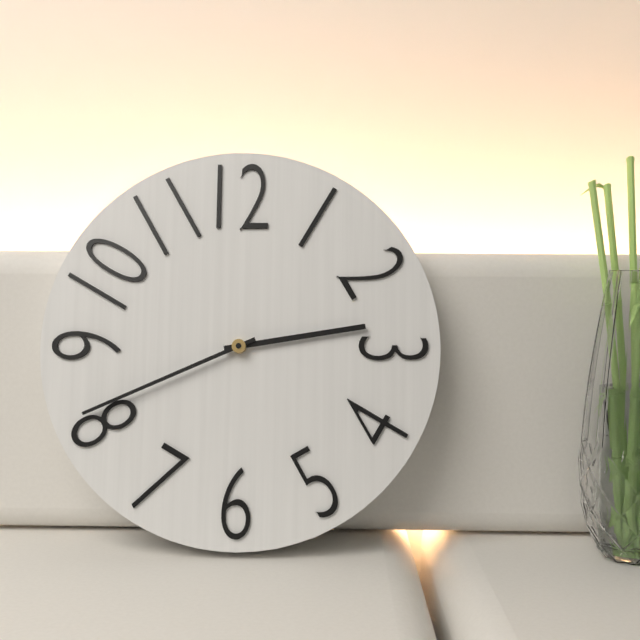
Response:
h=2 m=41
